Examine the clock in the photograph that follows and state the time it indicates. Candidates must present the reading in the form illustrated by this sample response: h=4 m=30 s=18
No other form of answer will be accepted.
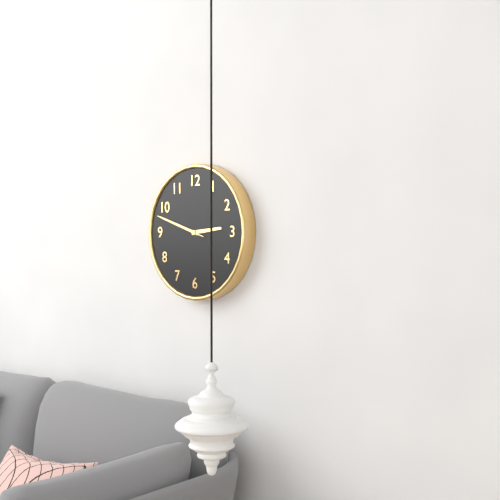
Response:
h=2 m=48 s=48
